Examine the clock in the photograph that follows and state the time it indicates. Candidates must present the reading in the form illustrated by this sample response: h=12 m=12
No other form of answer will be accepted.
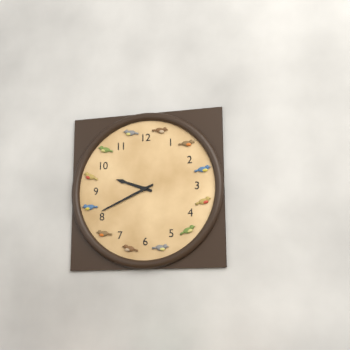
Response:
h=9 m=41
